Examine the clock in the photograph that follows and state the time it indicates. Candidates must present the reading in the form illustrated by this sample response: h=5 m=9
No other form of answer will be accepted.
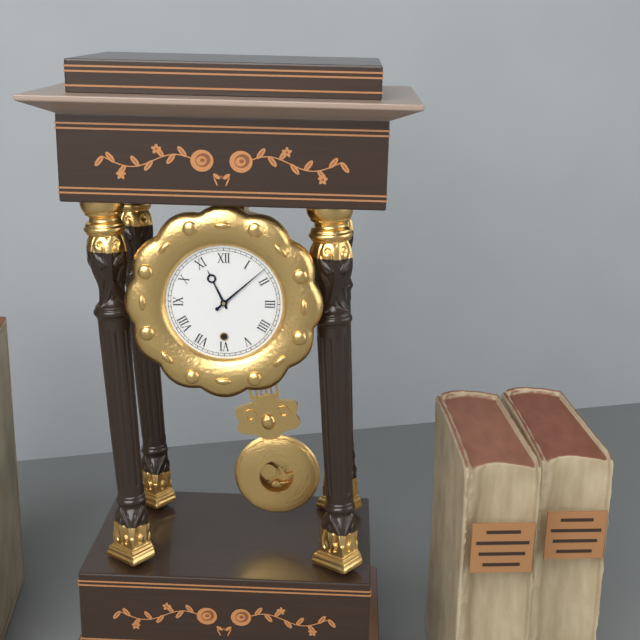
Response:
h=11 m=8
